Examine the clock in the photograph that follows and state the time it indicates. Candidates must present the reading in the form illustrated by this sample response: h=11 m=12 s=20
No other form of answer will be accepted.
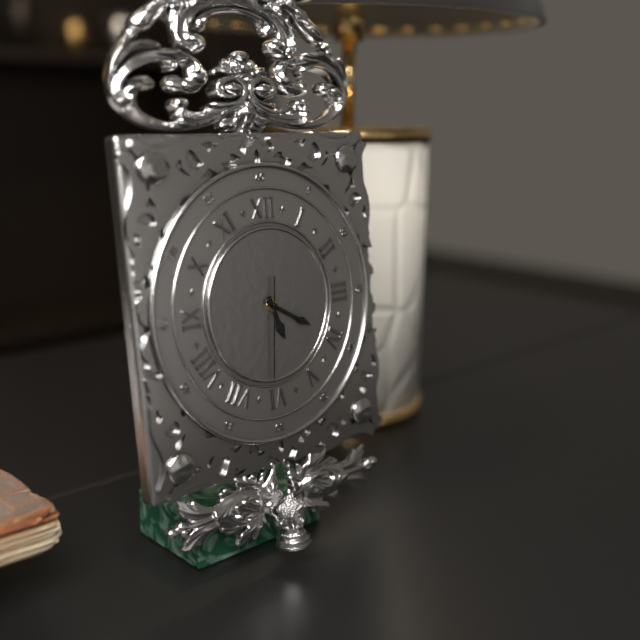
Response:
h=5 m=20 s=31
